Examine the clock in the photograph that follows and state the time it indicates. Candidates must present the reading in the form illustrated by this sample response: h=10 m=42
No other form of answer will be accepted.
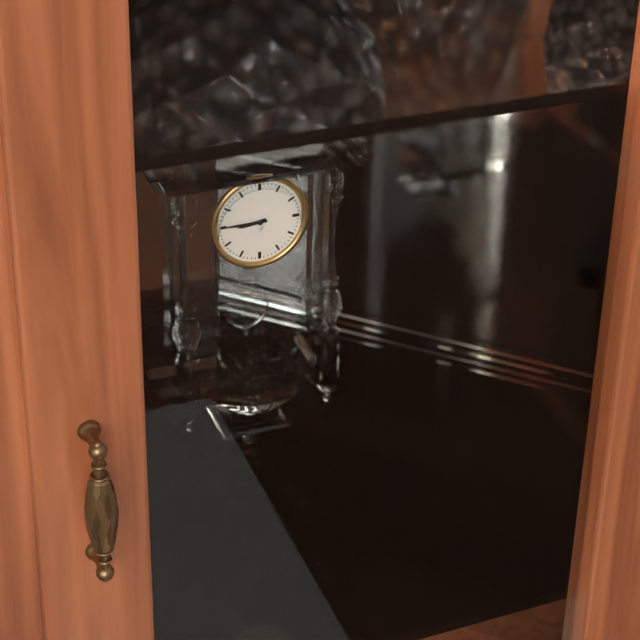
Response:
h=8 m=45
